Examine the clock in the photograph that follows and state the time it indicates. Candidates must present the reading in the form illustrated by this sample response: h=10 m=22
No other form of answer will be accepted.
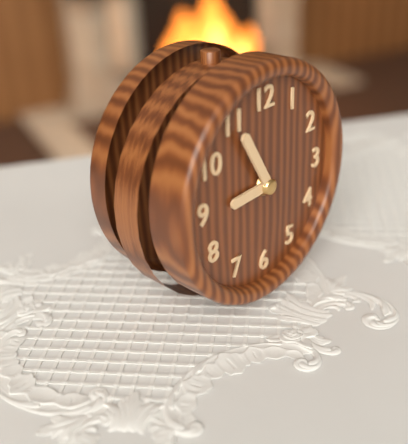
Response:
h=8 m=55
